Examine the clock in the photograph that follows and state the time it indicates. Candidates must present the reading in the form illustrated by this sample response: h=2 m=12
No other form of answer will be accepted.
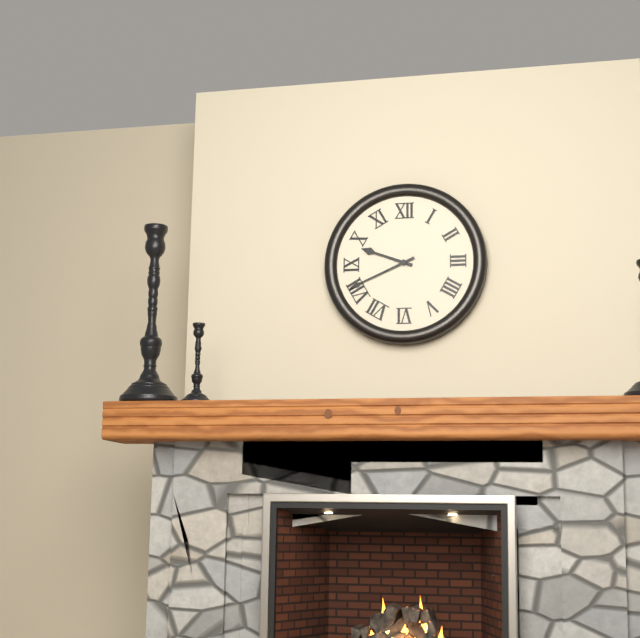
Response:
h=9 m=41
